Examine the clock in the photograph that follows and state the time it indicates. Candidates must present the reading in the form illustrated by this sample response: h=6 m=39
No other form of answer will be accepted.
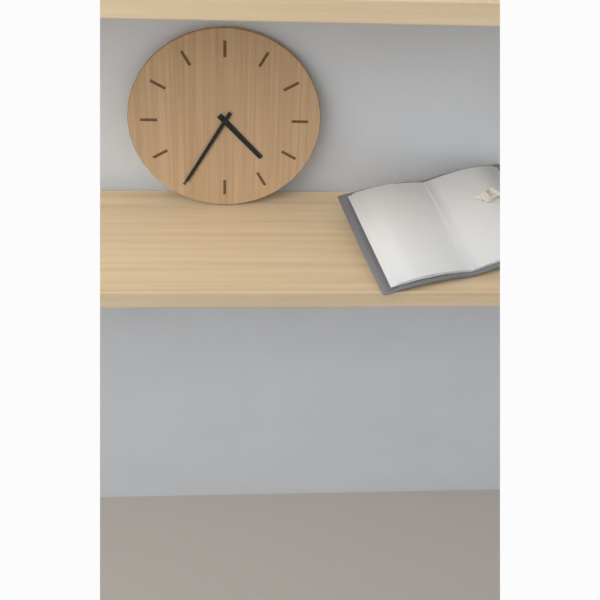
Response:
h=4 m=35
